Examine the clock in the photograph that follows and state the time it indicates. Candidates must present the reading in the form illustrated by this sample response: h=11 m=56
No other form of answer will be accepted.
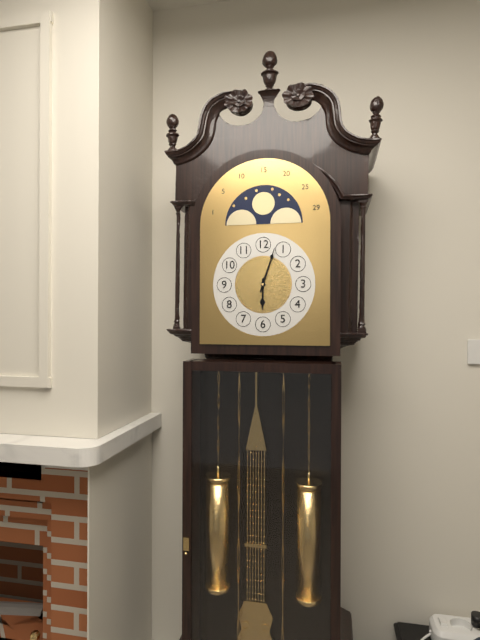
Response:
h=6 m=3
